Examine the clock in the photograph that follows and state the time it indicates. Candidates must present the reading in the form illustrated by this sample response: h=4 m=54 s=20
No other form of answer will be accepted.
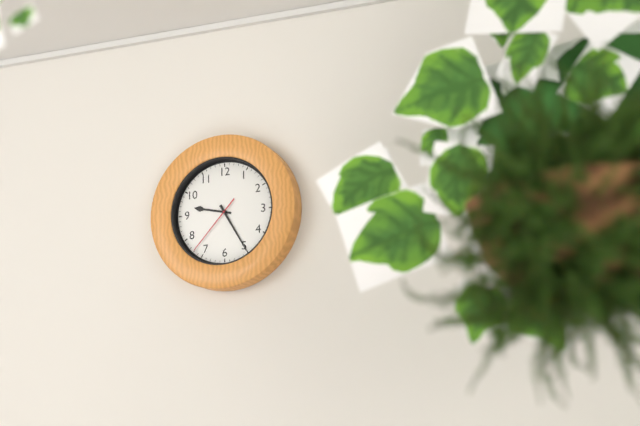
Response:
h=9 m=25 s=37
